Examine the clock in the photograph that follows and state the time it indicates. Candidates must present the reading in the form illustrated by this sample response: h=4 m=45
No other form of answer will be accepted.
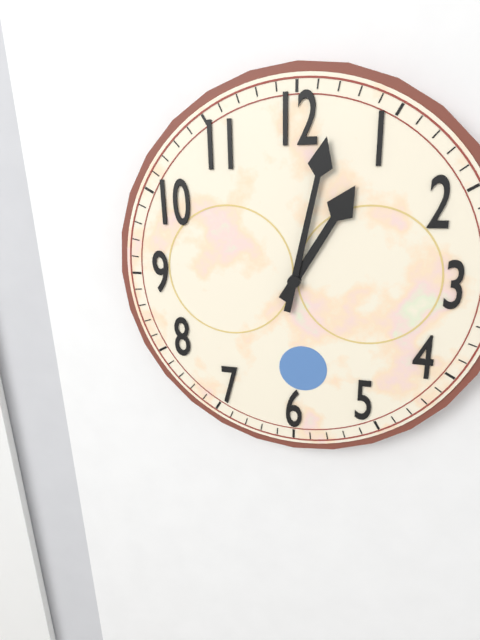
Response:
h=1 m=2
